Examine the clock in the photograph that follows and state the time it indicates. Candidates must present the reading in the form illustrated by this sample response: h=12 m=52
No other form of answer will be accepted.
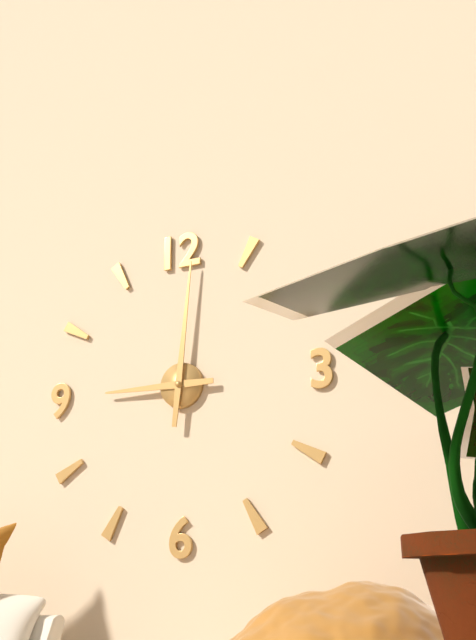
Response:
h=9 m=1
